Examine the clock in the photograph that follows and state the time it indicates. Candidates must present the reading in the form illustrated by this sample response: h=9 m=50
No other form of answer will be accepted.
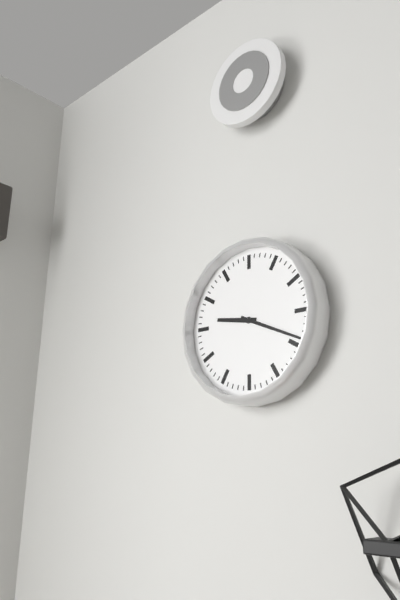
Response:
h=9 m=19
